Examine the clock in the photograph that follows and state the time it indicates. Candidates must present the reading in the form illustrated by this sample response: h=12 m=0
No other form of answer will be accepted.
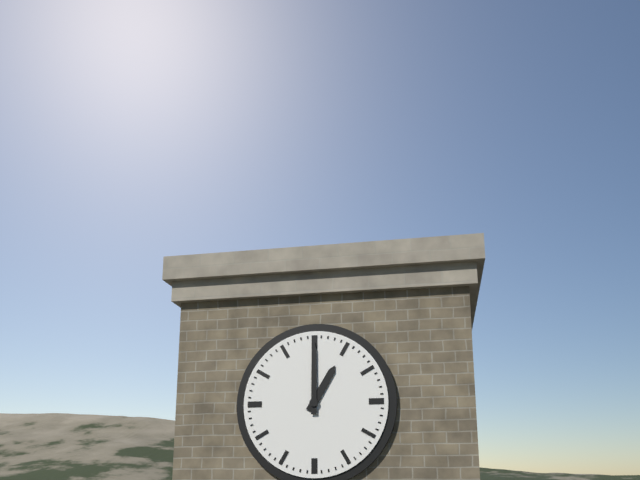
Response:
h=1 m=0
